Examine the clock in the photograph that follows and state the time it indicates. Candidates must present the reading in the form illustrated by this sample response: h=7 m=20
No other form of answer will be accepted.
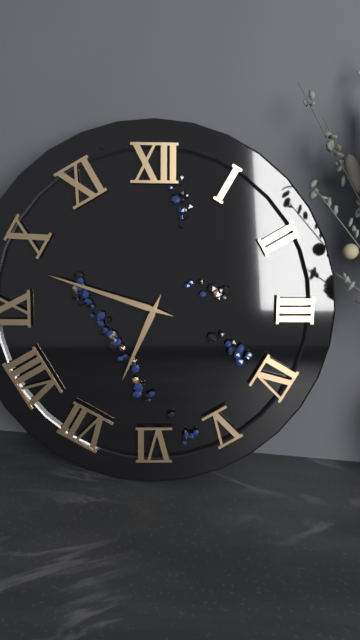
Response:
h=6 m=48
